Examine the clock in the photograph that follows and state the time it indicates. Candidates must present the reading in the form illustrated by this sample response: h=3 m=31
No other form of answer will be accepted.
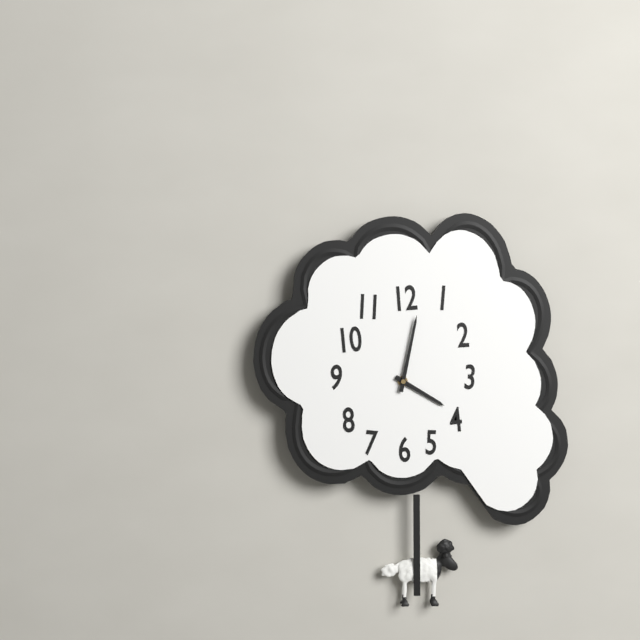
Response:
h=4 m=2
